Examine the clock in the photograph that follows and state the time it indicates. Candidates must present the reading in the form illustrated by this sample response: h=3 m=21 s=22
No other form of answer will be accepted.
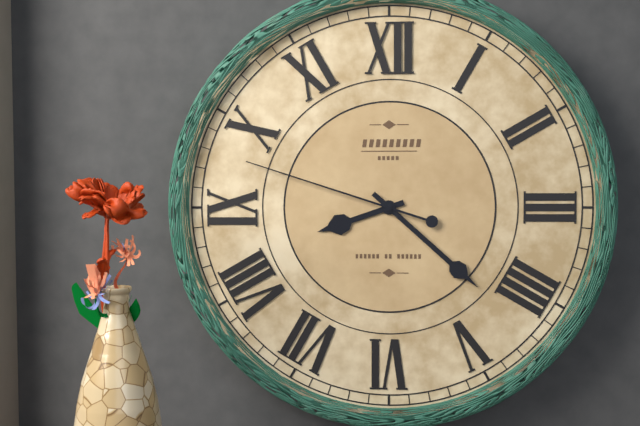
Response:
h=8 m=22 s=48
